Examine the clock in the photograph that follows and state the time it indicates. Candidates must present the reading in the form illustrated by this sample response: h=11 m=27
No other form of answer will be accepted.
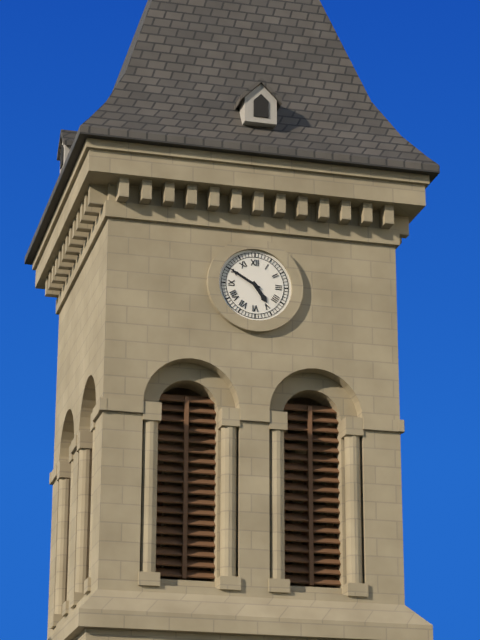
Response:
h=4 m=50
